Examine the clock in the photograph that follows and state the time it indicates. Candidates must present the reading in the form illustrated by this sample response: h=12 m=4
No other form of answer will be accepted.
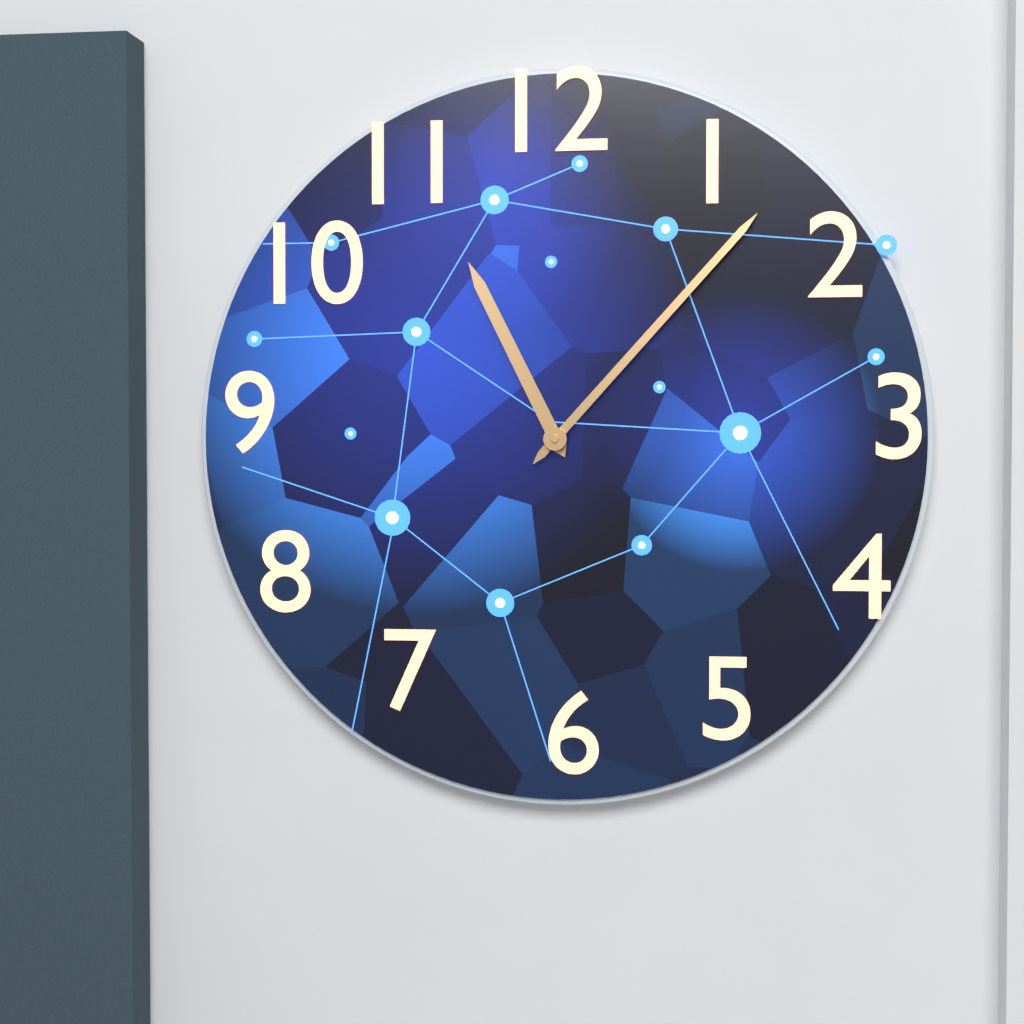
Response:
h=11 m=7
